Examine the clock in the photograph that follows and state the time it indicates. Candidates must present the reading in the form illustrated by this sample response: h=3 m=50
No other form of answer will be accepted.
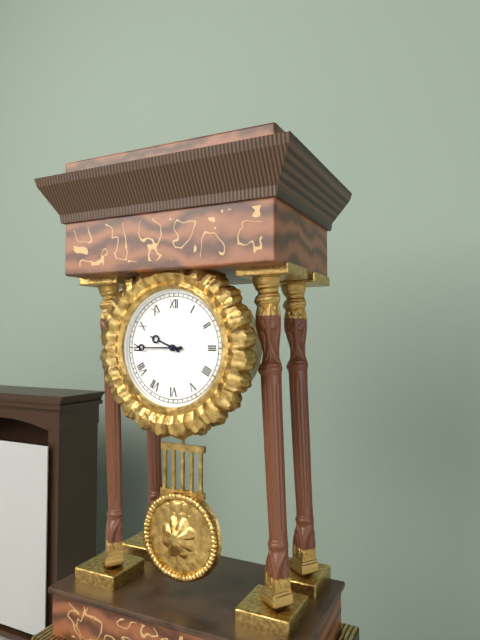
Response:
h=9 m=45
